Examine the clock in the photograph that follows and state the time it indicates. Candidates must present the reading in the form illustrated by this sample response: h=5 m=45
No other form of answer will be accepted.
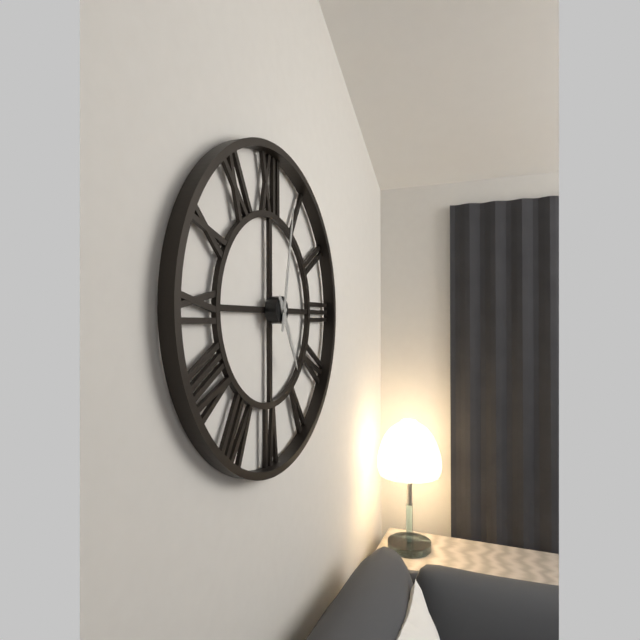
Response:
h=5 m=2
